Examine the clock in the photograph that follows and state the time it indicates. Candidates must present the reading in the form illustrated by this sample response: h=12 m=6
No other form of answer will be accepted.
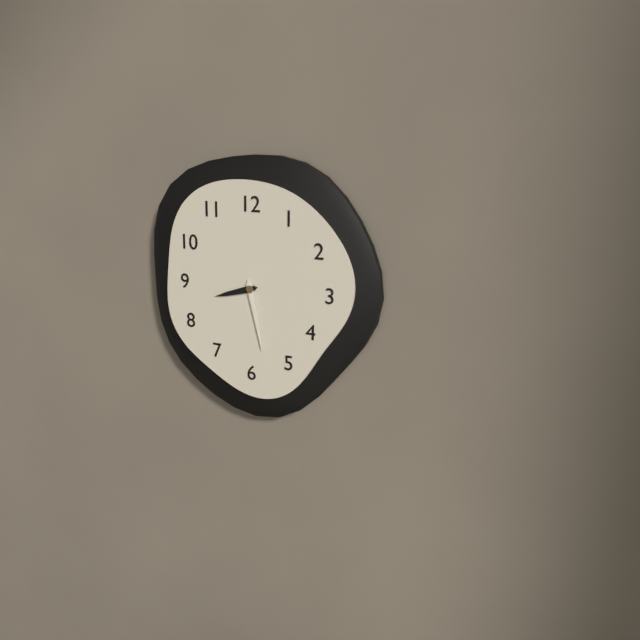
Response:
h=8 m=28
